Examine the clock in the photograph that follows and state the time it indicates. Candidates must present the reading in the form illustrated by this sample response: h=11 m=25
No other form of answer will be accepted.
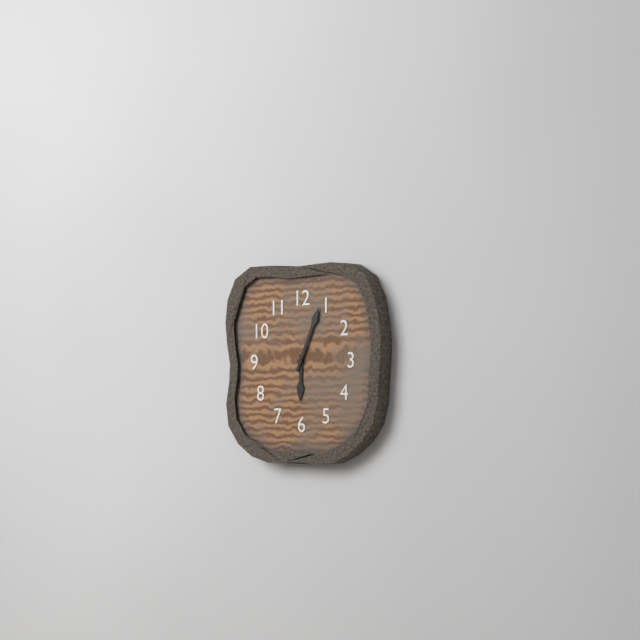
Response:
h=6 m=4
